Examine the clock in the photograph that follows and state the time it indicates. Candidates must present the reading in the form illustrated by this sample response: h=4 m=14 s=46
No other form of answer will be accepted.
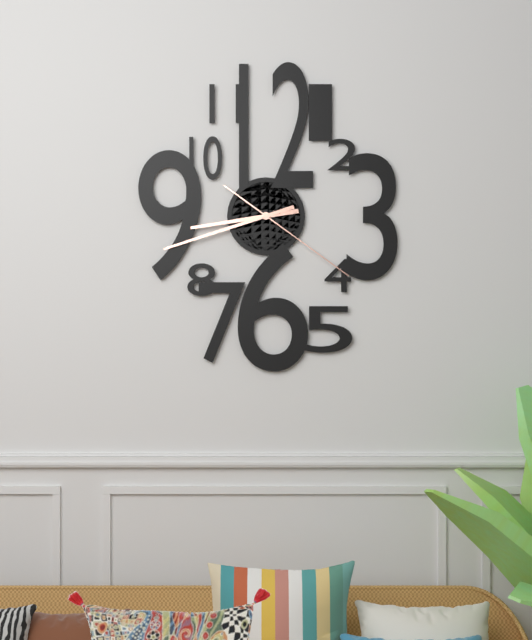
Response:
h=8 m=42 s=21
